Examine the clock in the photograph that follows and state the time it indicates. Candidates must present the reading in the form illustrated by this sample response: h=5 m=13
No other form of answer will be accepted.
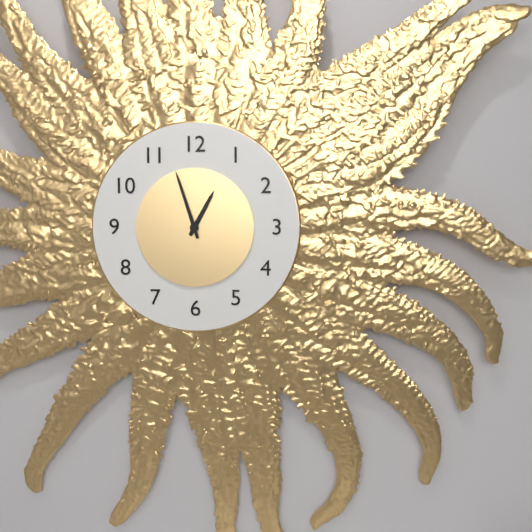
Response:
h=12 m=57
